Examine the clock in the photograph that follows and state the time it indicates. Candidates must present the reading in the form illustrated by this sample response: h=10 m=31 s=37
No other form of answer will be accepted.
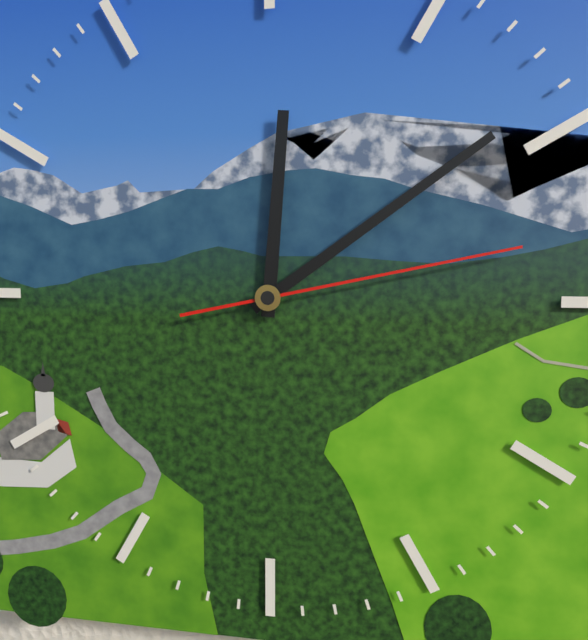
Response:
h=12 m=9 s=13
